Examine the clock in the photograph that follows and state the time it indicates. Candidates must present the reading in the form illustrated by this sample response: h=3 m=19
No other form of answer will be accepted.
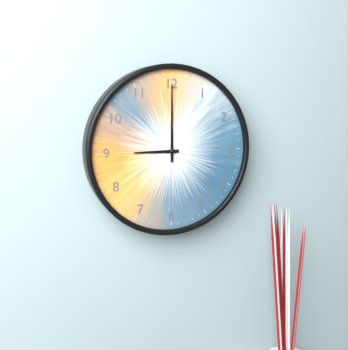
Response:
h=9 m=0
